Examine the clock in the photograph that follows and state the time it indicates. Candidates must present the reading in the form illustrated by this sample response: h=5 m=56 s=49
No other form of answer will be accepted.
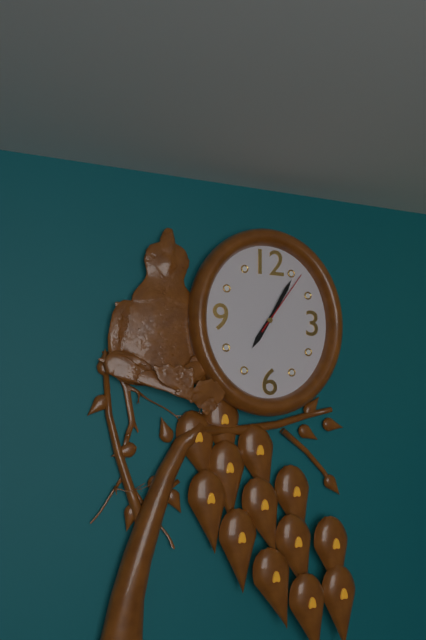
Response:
h=7 m=5 s=6
